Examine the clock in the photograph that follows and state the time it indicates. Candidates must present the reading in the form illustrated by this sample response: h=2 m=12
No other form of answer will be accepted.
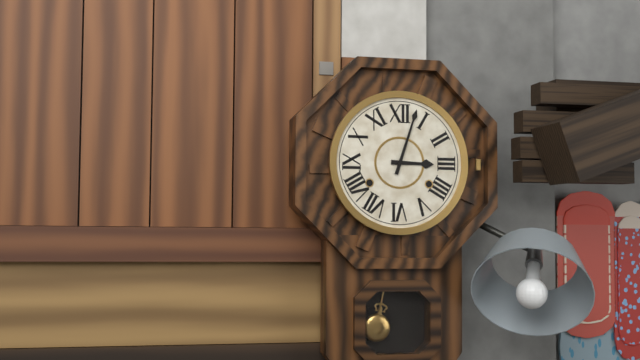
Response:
h=3 m=3
